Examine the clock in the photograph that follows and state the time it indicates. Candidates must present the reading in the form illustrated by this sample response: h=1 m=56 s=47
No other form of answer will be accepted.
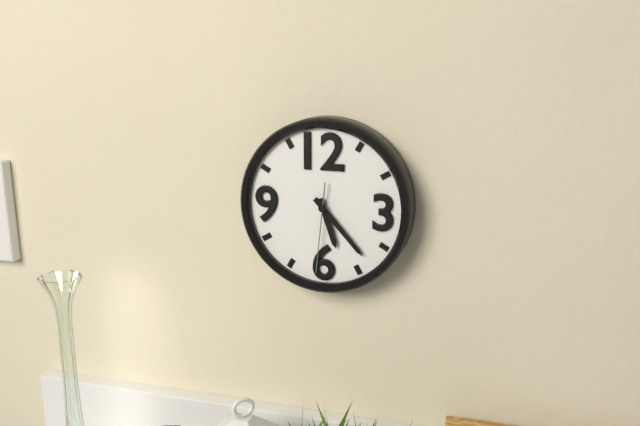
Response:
h=5 m=23 s=31
